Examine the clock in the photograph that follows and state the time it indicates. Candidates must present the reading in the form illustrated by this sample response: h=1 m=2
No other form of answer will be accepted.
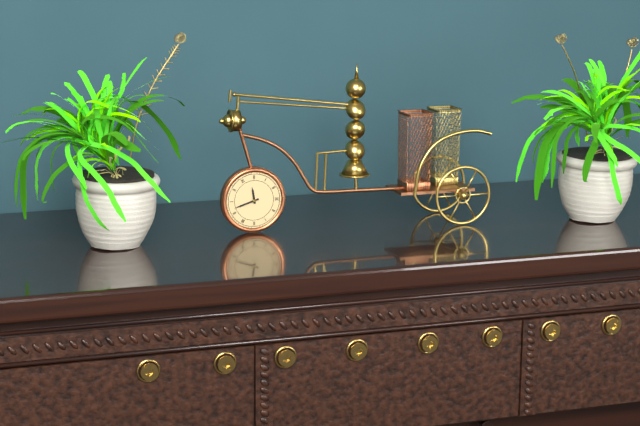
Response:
h=11 m=42
